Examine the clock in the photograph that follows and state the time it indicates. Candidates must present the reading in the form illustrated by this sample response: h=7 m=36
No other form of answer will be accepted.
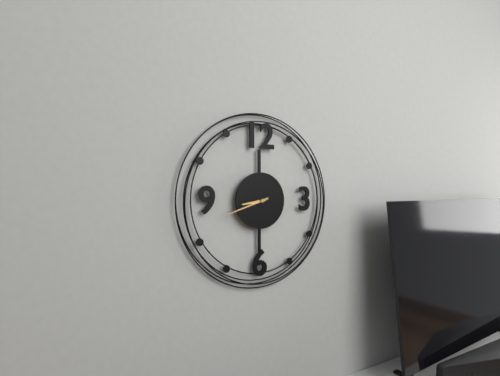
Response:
h=8 m=42
